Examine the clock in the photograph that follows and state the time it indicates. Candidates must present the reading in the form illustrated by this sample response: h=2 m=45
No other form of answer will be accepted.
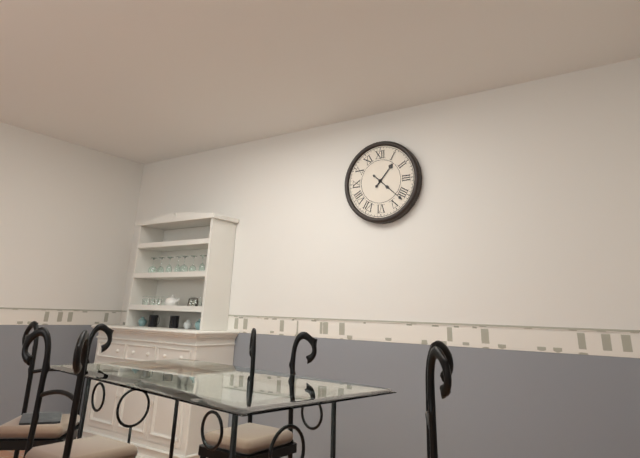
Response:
h=1 m=22
